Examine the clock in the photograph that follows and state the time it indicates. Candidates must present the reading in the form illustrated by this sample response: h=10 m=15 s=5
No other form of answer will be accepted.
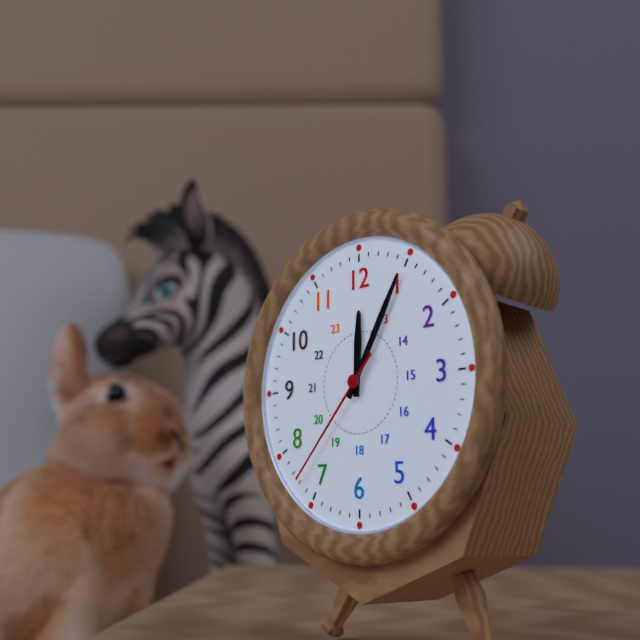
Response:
h=12 m=5 s=37
